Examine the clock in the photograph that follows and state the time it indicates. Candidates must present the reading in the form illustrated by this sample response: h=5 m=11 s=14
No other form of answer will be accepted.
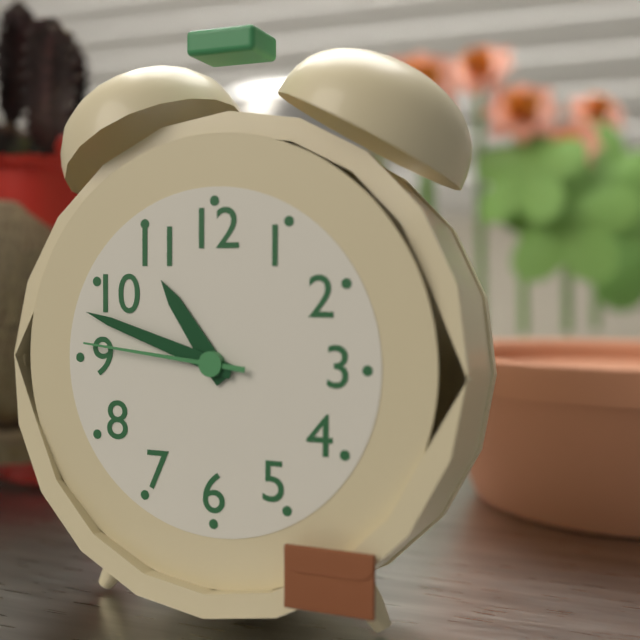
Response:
h=10 m=48 s=46
